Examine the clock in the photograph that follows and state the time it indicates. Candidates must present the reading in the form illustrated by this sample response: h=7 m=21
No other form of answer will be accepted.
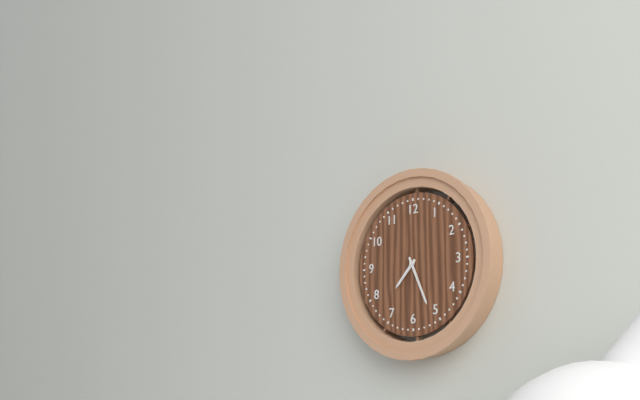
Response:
h=7 m=26
